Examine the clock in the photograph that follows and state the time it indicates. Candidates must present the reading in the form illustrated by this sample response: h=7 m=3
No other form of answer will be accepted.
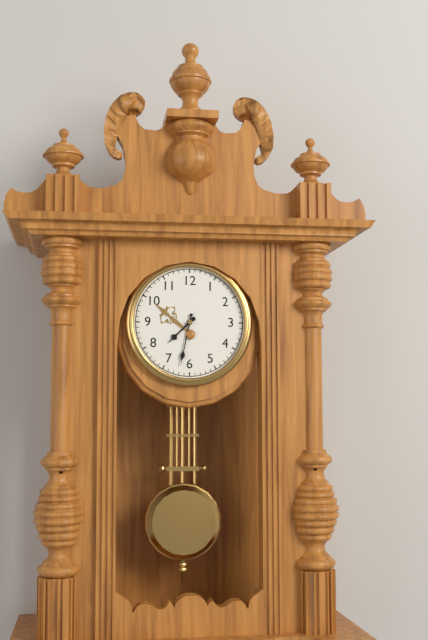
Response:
h=7 m=32
